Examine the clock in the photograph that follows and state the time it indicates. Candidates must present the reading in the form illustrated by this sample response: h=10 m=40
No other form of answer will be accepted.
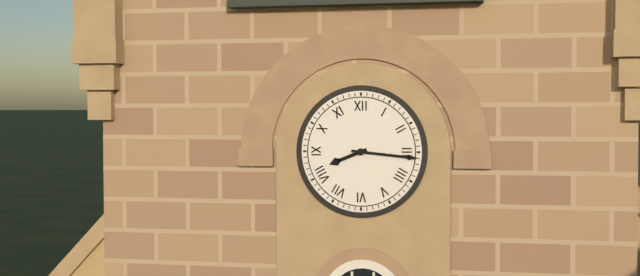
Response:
h=8 m=16
